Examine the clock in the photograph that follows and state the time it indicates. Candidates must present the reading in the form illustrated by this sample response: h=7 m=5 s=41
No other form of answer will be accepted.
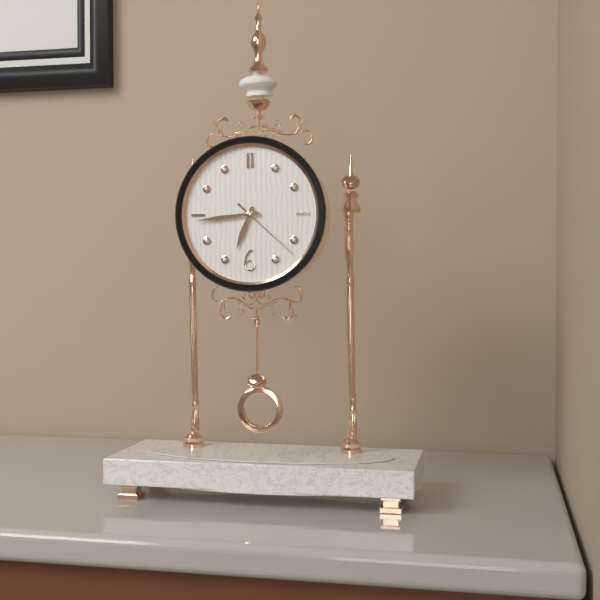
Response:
h=6 m=44 s=22
